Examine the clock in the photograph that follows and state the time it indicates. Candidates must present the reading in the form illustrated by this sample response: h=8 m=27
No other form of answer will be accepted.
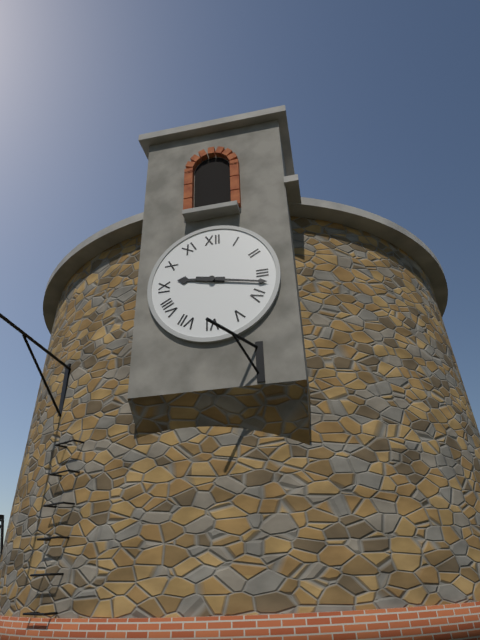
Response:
h=9 m=17
